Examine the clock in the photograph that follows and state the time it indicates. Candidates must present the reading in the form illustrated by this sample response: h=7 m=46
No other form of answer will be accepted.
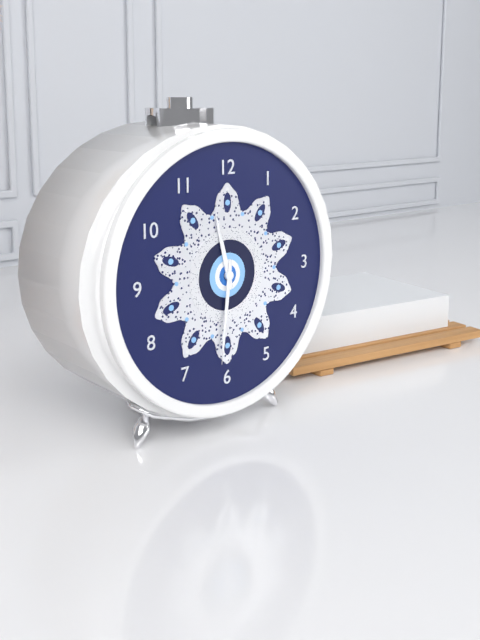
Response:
h=11 m=31
